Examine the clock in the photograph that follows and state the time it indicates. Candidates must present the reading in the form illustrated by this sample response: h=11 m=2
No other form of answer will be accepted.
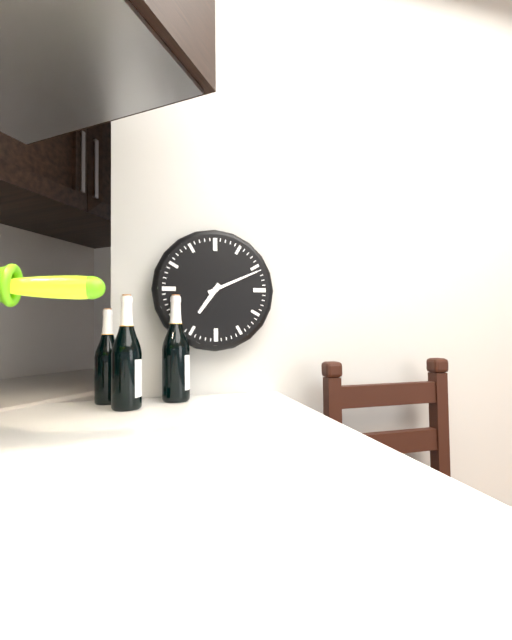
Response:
h=7 m=11
